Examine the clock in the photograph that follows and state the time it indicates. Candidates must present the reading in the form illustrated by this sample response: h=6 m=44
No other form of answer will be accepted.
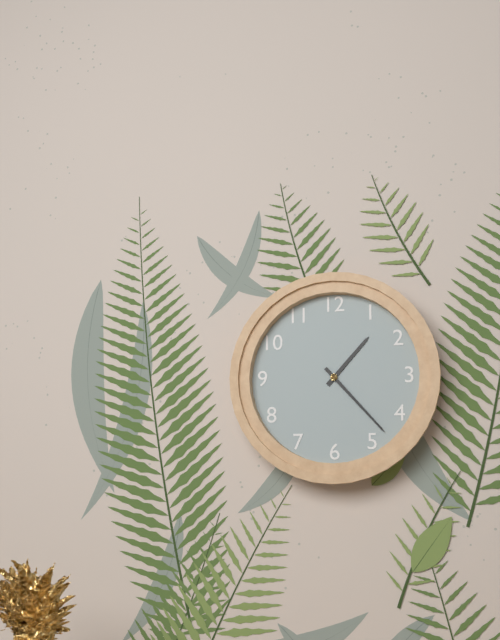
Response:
h=1 m=23
